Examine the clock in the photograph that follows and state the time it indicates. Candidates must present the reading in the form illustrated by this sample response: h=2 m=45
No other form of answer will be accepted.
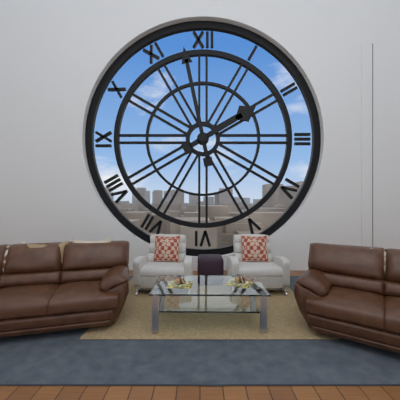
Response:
h=1 m=58
